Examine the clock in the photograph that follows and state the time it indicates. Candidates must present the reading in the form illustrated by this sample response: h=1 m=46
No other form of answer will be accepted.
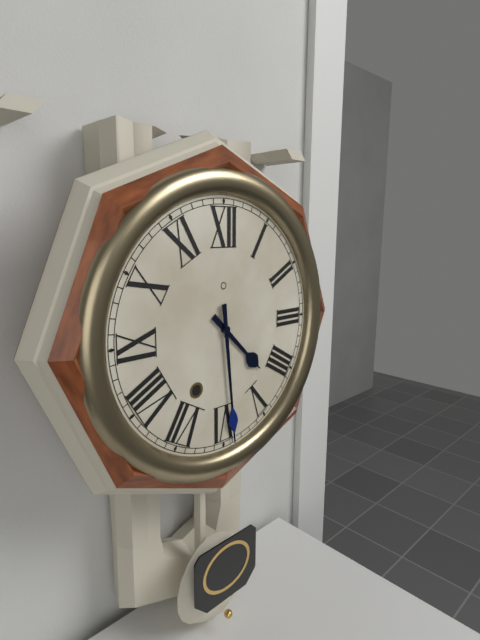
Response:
h=4 m=29
